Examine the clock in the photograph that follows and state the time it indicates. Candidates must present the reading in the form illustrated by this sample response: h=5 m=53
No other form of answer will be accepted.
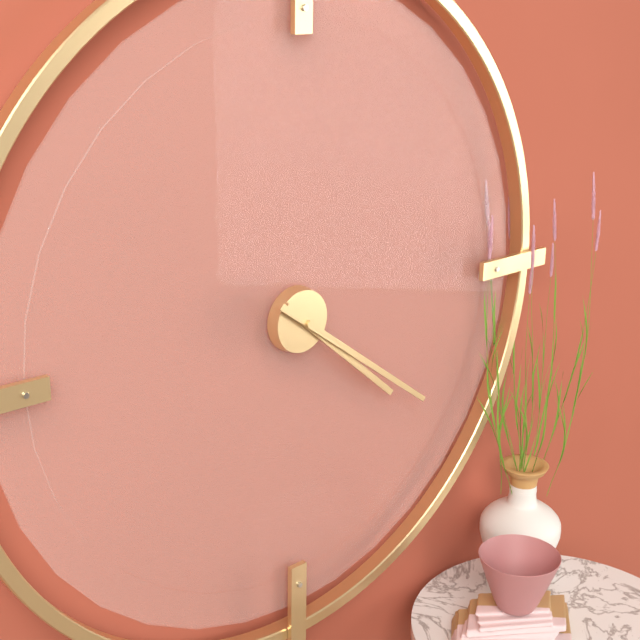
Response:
h=4 m=21
